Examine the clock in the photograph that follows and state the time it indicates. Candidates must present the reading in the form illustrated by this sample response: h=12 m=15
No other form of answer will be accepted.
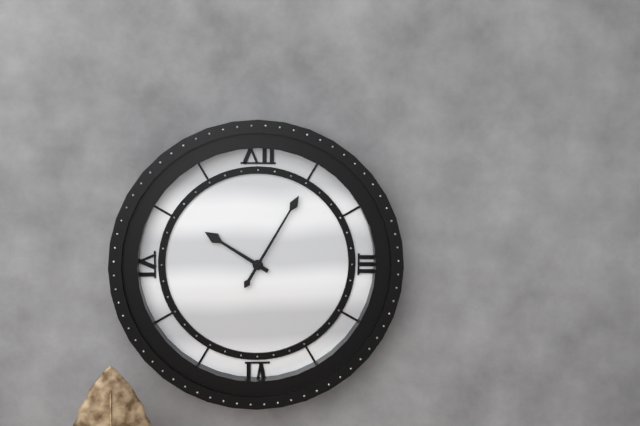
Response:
h=10 m=5
